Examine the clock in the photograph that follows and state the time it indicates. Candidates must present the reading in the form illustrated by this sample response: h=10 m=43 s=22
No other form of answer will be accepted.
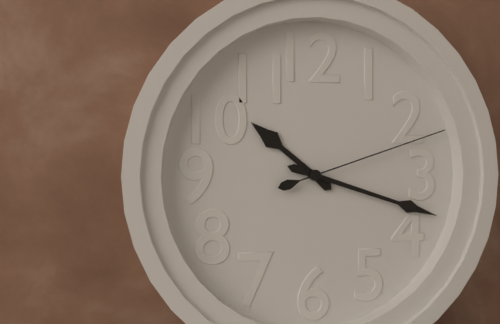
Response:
h=10 m=18 s=12
